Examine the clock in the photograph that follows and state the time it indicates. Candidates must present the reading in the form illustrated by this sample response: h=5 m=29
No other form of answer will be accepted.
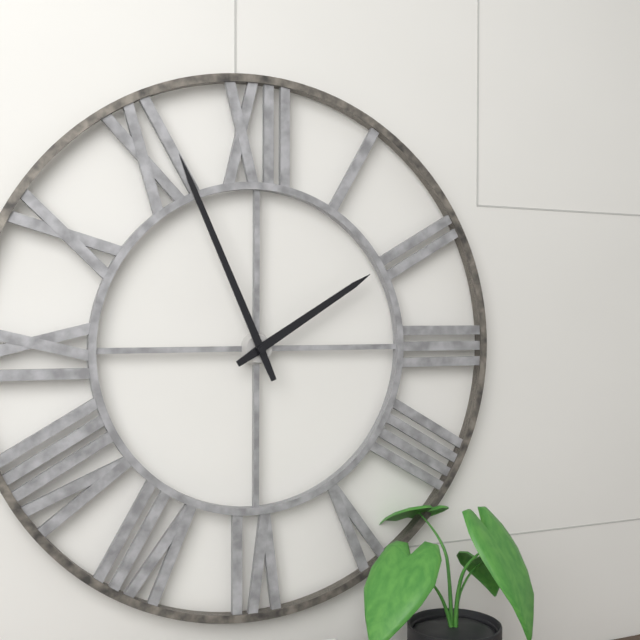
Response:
h=1 m=56
